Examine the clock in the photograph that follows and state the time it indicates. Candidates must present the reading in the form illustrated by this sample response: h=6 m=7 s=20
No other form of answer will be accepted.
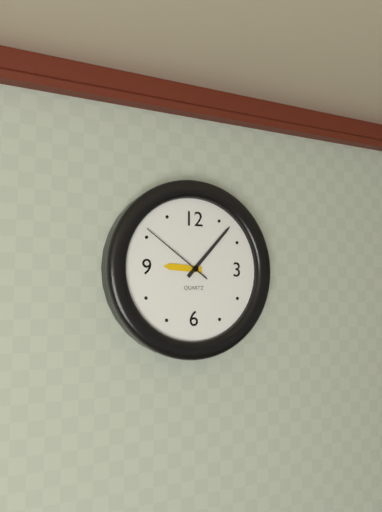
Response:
h=9 m=7 s=51
